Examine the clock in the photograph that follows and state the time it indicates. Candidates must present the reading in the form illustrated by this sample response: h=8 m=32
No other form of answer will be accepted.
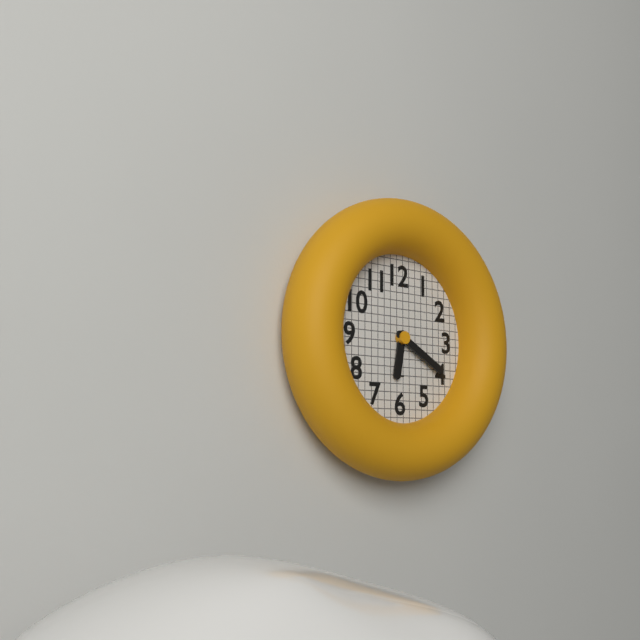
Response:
h=6 m=20
